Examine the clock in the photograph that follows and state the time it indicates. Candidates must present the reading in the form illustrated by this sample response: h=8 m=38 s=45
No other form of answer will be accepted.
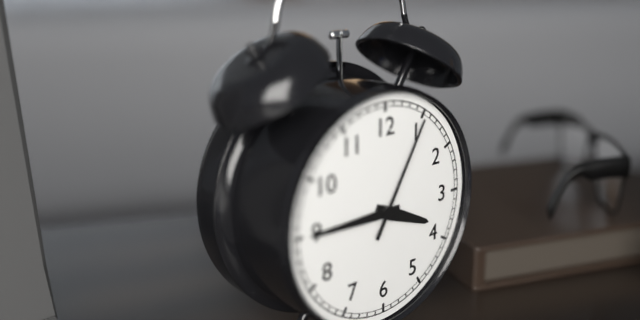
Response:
h=3 m=45 s=5
